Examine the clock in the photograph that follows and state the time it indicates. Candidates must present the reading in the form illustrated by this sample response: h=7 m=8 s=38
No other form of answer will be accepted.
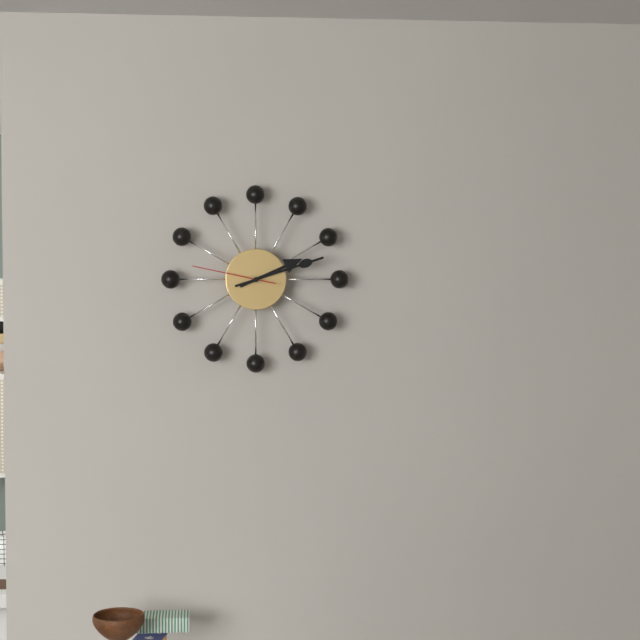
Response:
h=2 m=12 s=47
